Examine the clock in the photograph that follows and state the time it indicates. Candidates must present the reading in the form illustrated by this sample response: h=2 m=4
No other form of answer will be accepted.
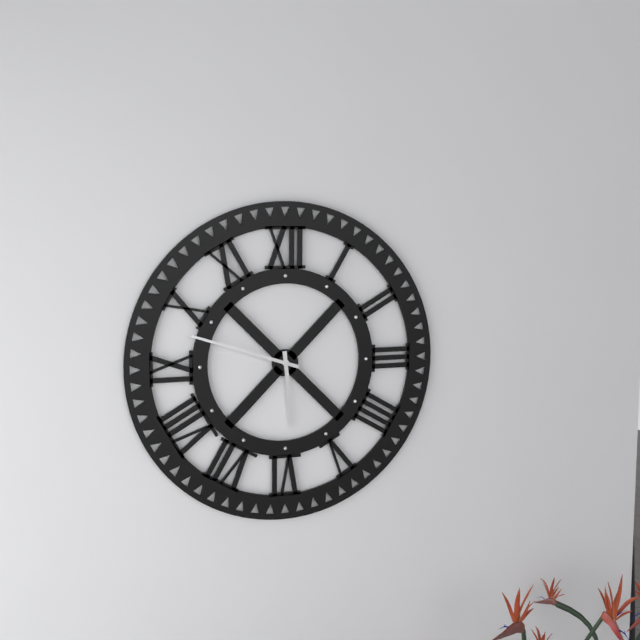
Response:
h=5 m=48
